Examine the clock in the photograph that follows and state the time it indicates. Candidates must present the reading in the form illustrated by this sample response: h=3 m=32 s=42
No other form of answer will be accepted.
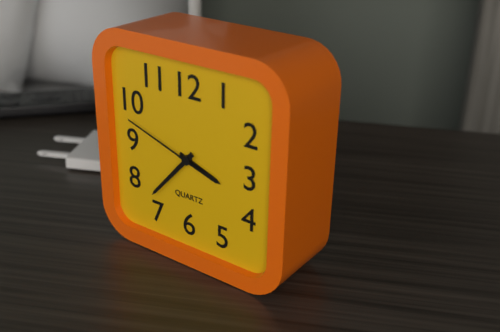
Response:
h=3 m=37 s=48
